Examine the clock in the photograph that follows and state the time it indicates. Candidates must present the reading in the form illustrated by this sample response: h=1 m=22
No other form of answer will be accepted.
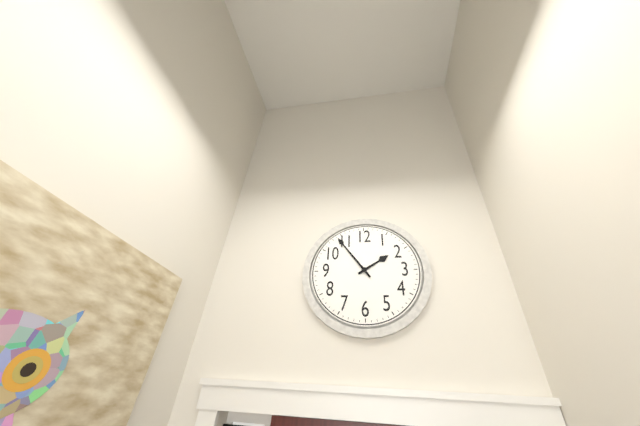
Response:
h=1 m=54
